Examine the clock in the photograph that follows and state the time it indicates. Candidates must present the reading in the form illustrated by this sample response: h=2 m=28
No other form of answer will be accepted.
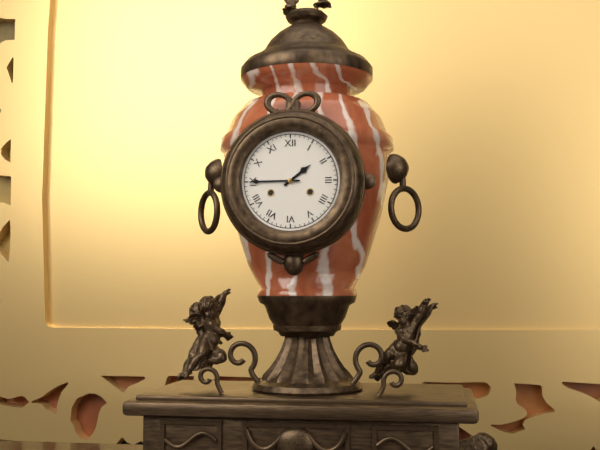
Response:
h=1 m=45
